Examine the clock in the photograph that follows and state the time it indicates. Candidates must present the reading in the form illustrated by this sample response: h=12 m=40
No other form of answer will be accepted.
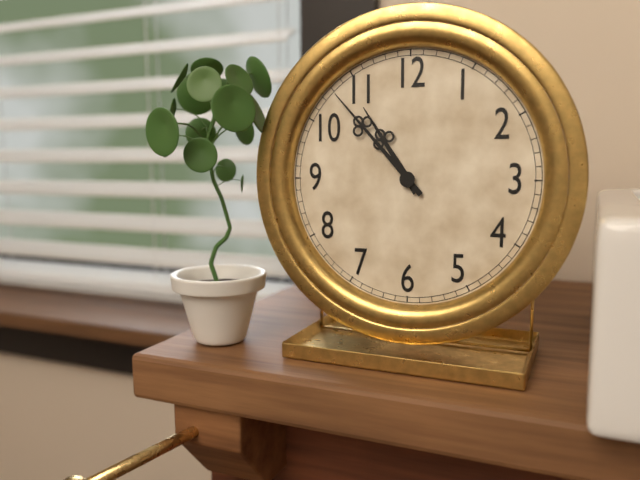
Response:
h=10 m=53
